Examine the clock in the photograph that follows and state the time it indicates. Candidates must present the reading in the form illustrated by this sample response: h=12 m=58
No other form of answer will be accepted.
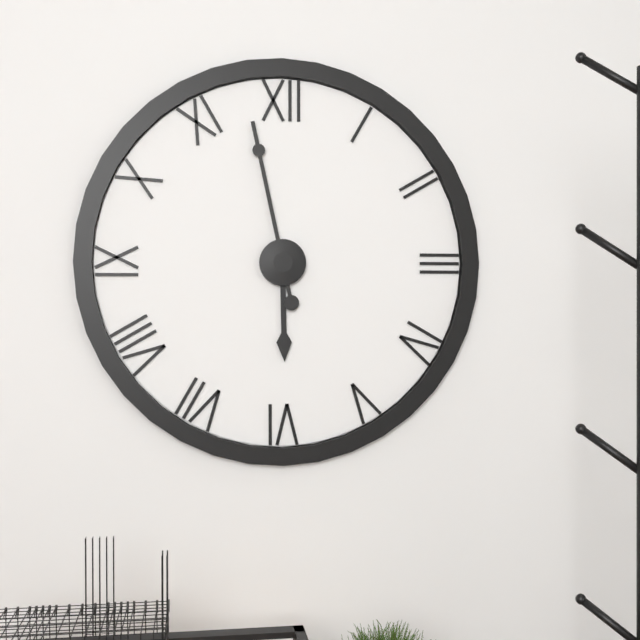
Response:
h=5 m=58
